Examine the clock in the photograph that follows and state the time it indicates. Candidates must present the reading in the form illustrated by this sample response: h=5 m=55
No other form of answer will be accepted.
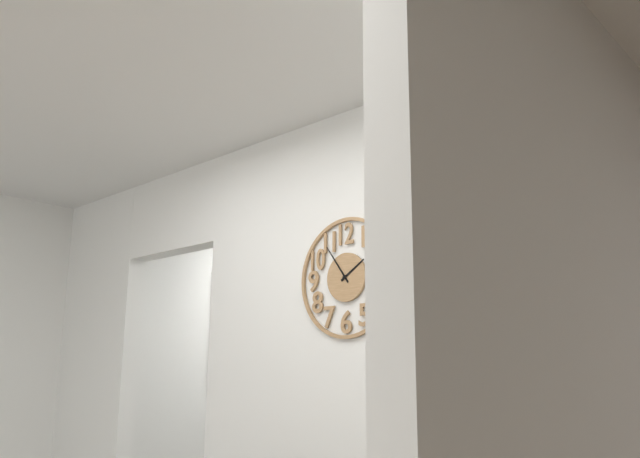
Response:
h=1 m=54
